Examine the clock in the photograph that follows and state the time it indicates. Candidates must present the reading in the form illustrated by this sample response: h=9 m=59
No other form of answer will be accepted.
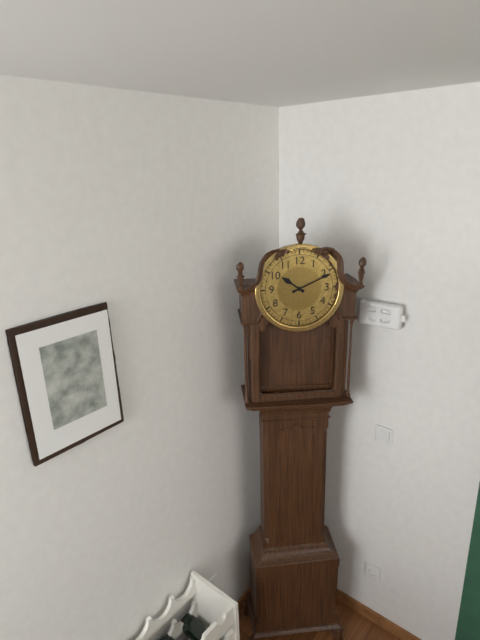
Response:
h=10 m=11
